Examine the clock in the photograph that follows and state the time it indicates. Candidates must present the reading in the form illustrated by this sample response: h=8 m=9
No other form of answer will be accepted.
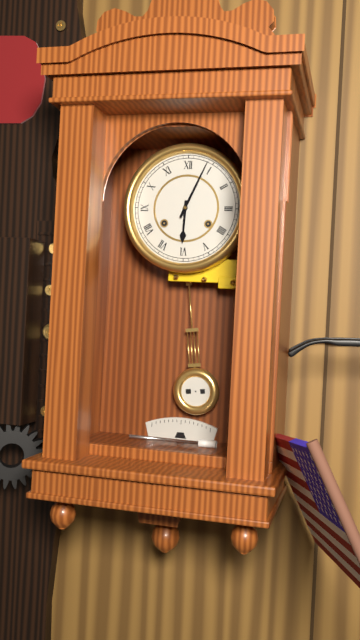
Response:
h=6 m=4
